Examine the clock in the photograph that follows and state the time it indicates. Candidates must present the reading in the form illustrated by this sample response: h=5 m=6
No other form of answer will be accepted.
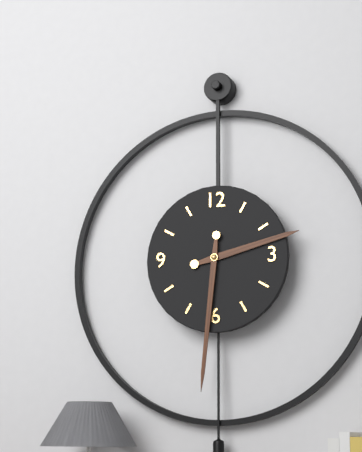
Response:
h=2 m=31
